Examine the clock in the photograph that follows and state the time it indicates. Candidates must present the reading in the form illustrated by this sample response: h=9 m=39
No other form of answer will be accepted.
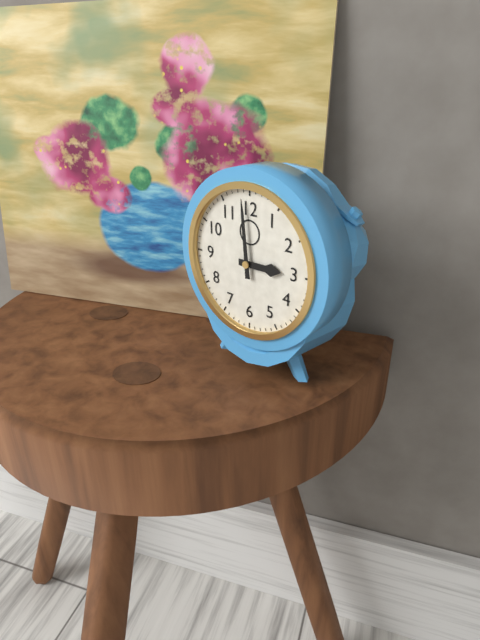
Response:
h=2 m=59
